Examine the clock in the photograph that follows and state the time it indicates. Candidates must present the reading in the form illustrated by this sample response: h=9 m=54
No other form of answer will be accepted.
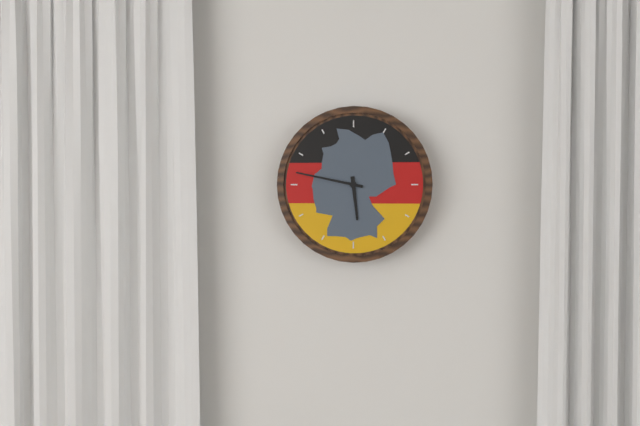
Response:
h=5 m=47
